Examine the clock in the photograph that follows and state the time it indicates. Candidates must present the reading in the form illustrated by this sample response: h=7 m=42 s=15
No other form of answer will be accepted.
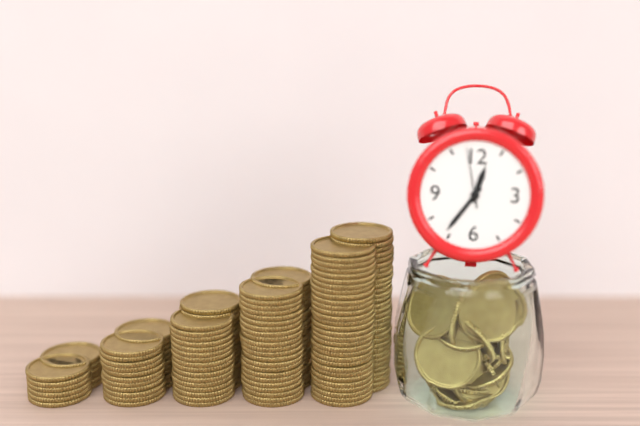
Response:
h=12 m=36 s=58
